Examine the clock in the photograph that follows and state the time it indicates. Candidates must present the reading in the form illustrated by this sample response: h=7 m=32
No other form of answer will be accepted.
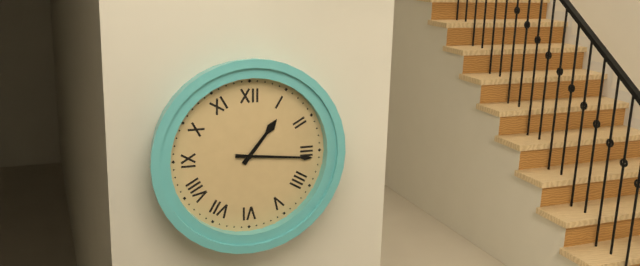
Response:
h=1 m=16
